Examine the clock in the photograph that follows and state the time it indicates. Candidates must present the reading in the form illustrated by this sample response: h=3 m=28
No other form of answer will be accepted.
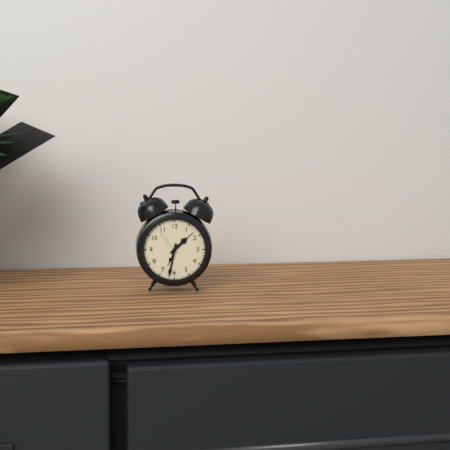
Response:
h=1 m=32
